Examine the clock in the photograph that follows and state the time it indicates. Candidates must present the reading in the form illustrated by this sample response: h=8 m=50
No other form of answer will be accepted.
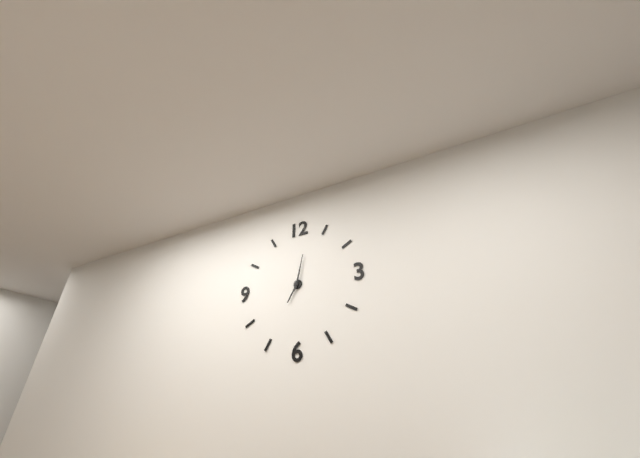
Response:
h=7 m=2
